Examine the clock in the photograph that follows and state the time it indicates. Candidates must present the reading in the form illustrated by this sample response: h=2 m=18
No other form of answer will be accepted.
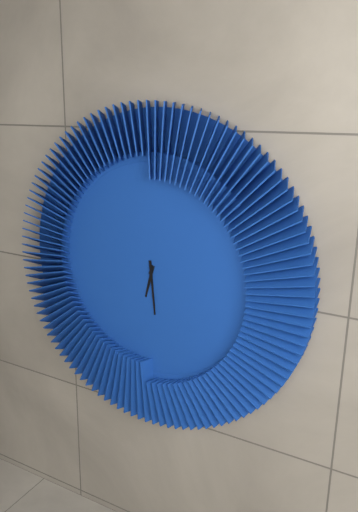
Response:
h=6 m=29
